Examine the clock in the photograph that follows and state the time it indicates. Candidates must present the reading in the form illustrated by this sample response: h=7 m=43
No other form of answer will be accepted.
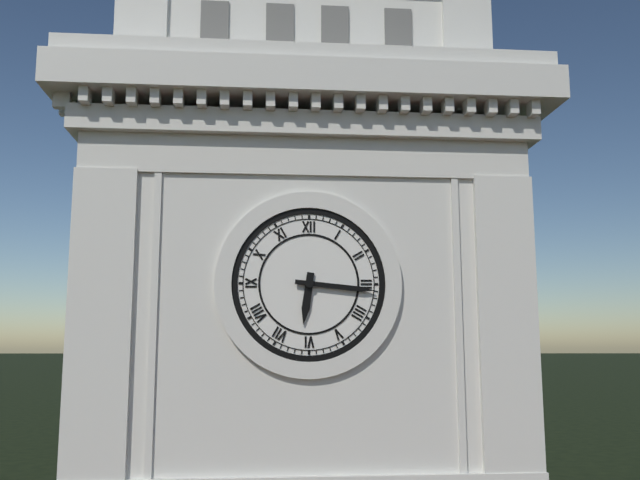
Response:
h=6 m=16
